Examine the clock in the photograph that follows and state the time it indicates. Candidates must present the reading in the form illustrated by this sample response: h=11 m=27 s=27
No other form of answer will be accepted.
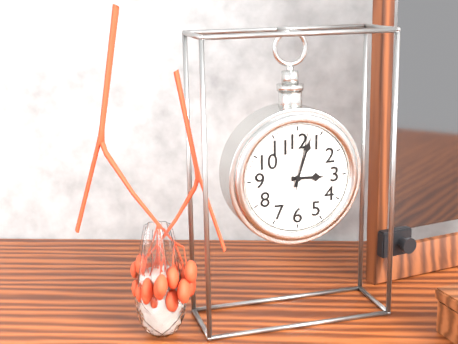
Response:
h=3 m=3 s=2
